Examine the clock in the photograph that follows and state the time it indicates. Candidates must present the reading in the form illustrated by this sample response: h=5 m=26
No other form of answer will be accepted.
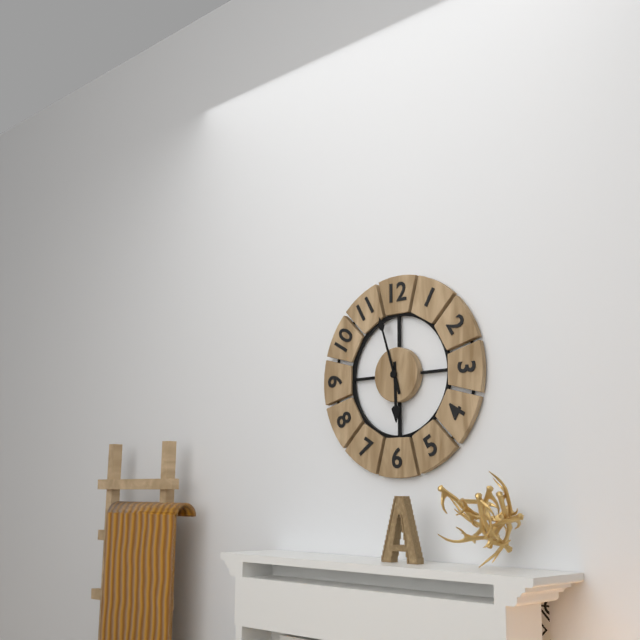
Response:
h=5 m=57
